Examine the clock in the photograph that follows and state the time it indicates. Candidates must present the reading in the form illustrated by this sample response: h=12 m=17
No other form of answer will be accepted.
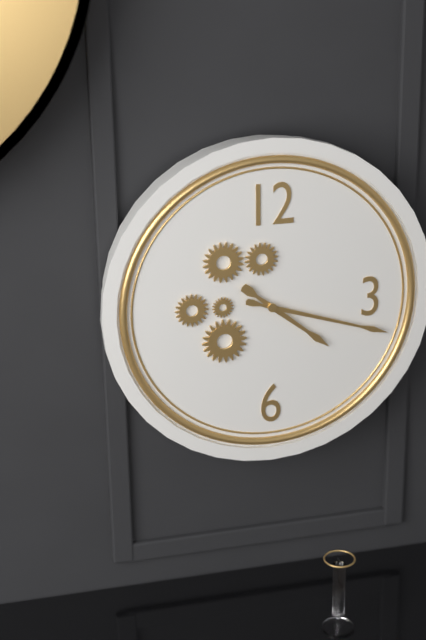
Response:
h=4 m=18
